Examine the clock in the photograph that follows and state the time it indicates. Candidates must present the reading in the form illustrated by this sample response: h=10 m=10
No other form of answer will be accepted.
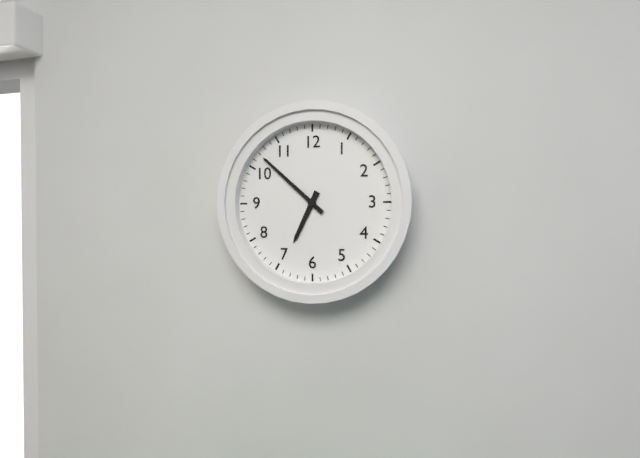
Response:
h=6 m=52
